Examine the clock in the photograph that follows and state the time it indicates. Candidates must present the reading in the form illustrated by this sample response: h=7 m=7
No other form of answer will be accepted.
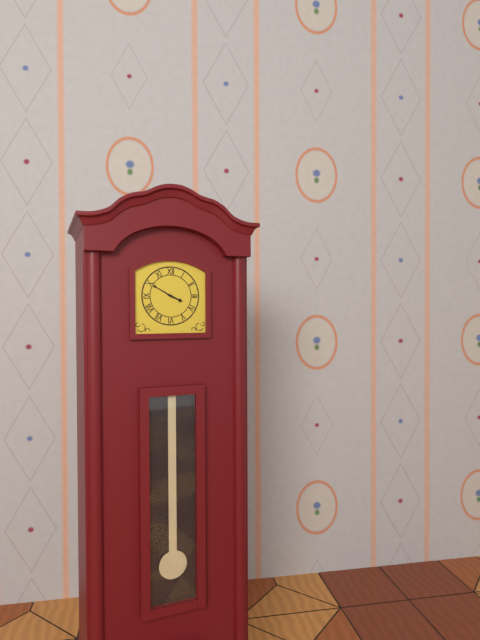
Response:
h=3 m=50
